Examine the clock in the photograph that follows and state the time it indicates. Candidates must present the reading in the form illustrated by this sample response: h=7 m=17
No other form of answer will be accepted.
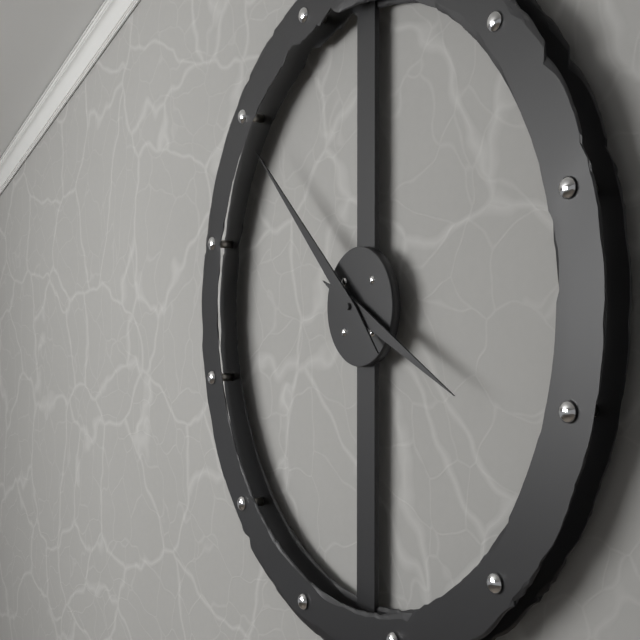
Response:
h=3 m=52
